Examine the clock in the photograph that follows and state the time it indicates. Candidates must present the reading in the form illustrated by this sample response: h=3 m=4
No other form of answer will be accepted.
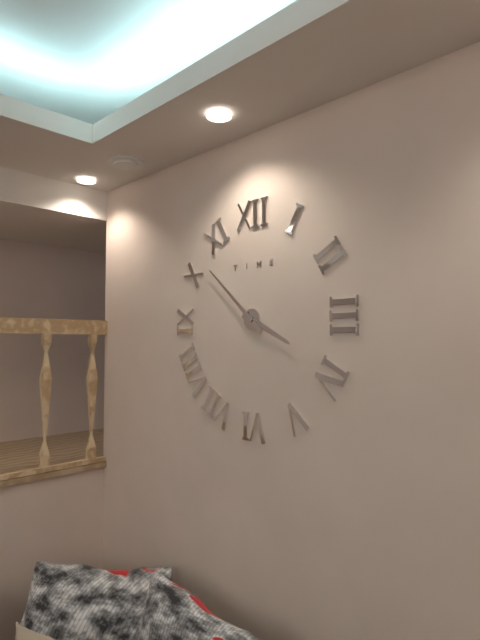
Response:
h=3 m=52
